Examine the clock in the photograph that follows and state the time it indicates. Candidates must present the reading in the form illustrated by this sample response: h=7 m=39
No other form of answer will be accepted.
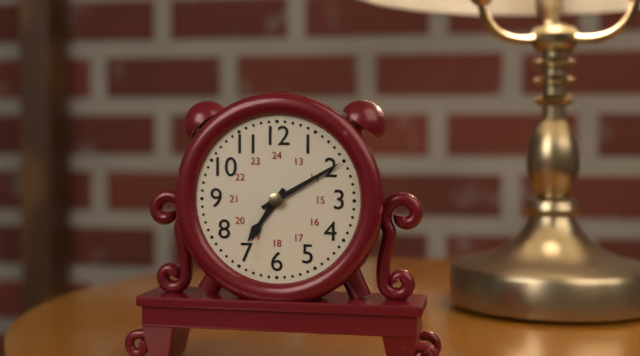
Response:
h=7 m=10
